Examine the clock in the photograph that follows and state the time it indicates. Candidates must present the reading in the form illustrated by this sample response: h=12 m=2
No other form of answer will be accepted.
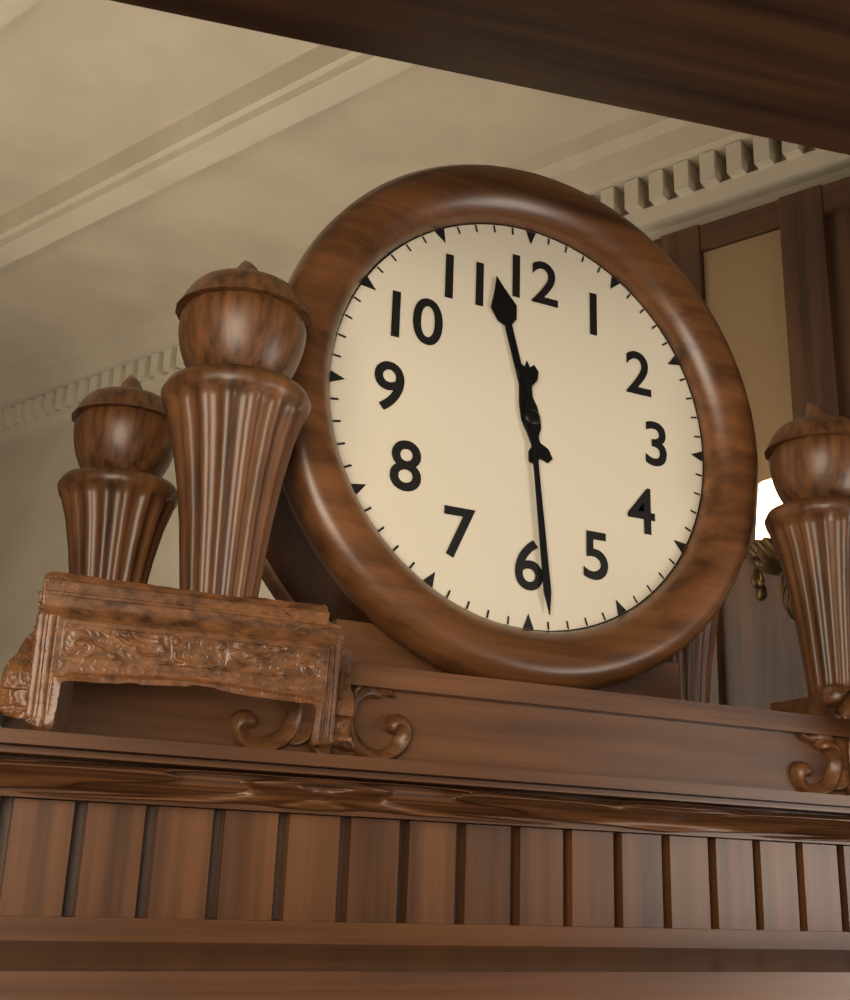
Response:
h=11 m=29
